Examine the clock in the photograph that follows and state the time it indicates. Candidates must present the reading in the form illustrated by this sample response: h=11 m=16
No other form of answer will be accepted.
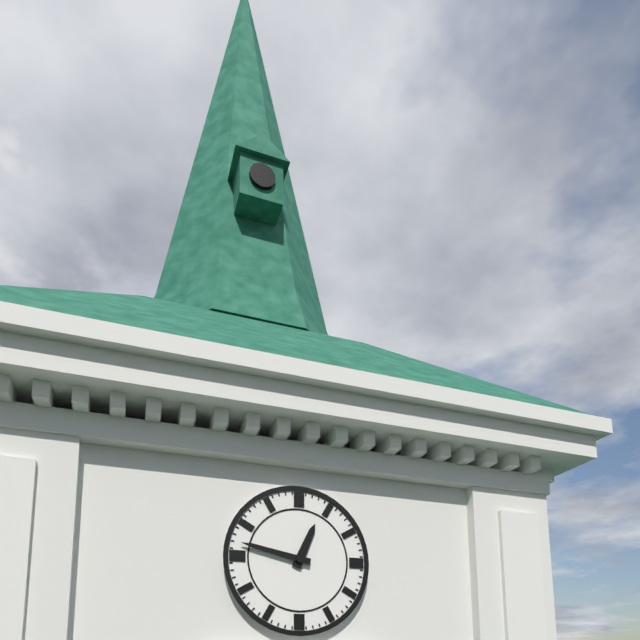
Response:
h=12 m=47
